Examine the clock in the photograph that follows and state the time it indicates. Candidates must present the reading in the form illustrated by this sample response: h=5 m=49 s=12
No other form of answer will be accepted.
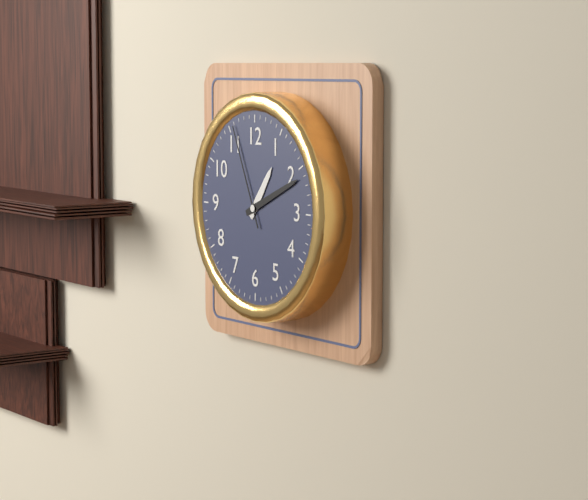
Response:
h=1 m=11 s=56
